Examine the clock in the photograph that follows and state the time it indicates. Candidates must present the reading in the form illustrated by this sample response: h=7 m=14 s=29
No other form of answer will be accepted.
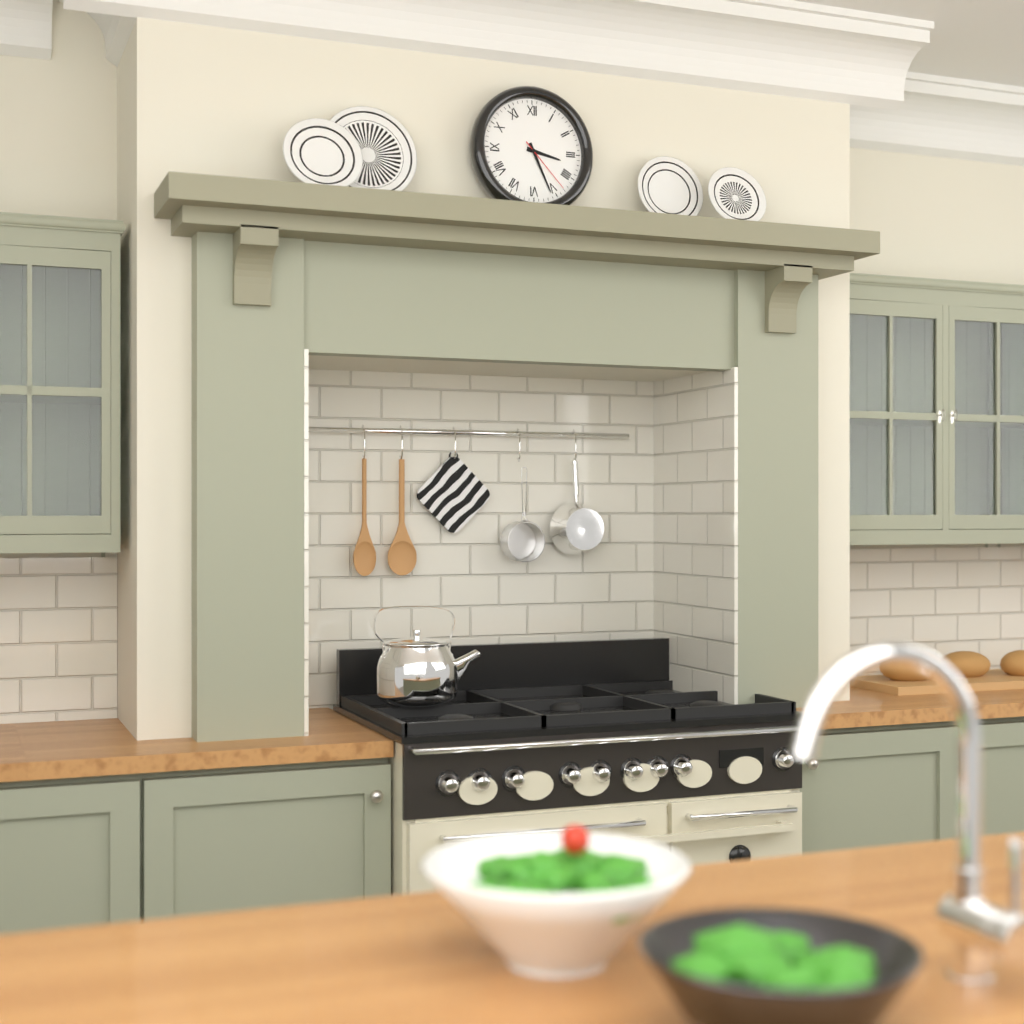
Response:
h=3 m=26 s=23
